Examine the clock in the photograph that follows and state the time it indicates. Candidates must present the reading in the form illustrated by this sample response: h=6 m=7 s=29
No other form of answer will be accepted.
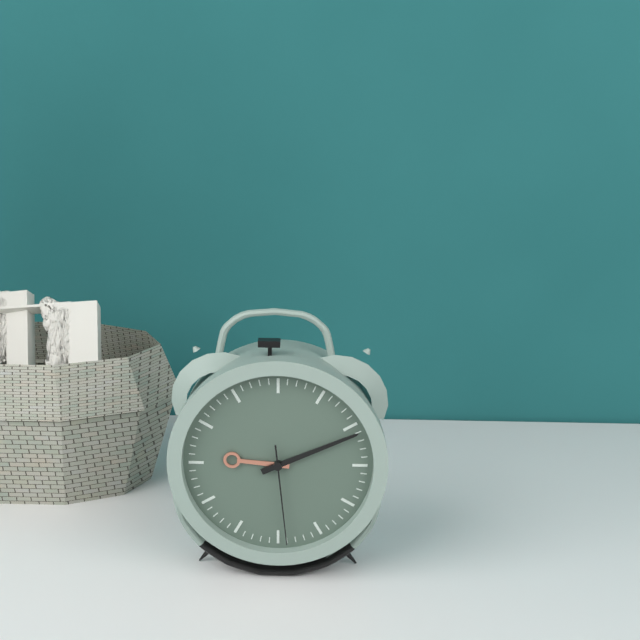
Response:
h=9 m=11 s=29
